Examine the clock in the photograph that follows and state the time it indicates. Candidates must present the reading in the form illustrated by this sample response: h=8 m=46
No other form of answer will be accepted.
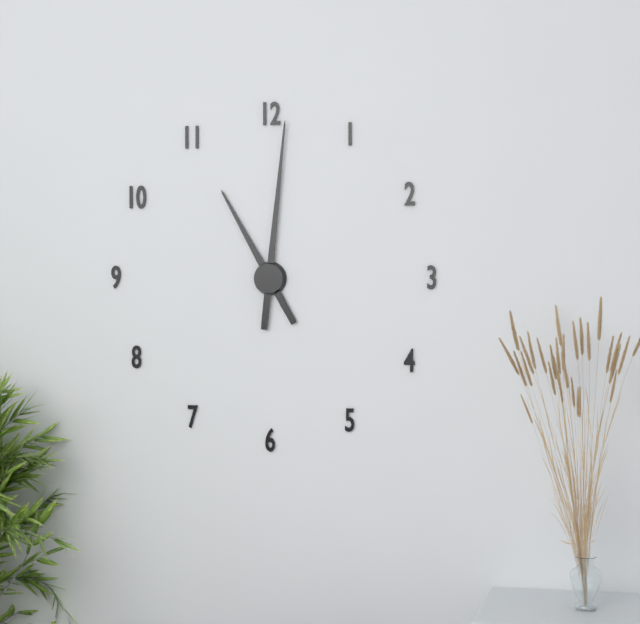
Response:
h=11 m=1
